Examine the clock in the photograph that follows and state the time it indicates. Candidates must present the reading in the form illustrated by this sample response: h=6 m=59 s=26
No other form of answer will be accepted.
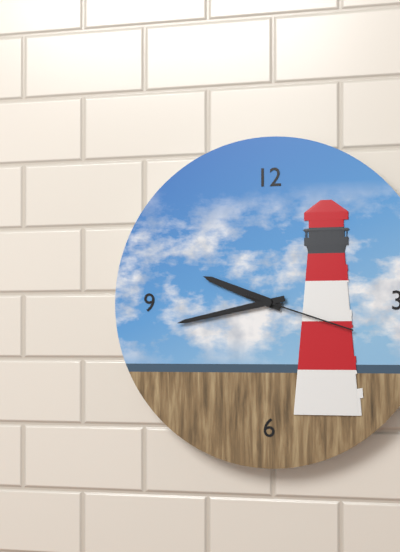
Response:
h=9 m=43 s=18
